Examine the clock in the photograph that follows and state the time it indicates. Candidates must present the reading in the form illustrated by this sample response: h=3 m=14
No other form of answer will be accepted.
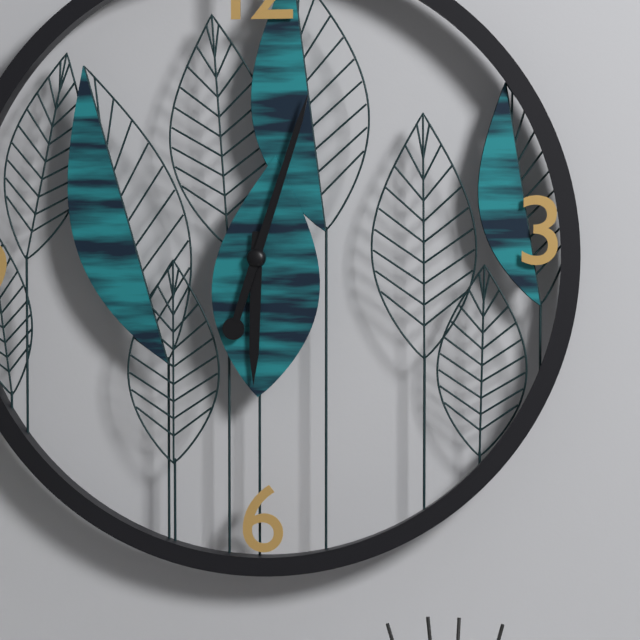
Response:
h=6 m=3
